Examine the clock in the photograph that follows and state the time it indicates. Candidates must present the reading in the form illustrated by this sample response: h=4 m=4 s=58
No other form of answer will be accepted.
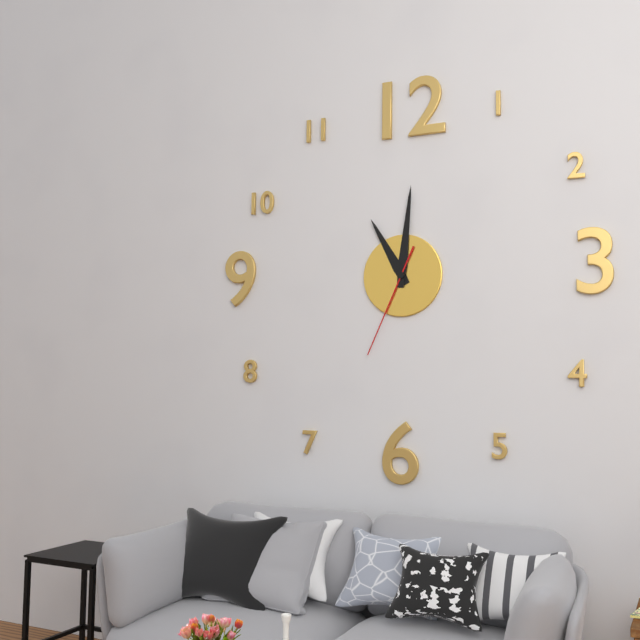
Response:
h=11 m=1 s=34
